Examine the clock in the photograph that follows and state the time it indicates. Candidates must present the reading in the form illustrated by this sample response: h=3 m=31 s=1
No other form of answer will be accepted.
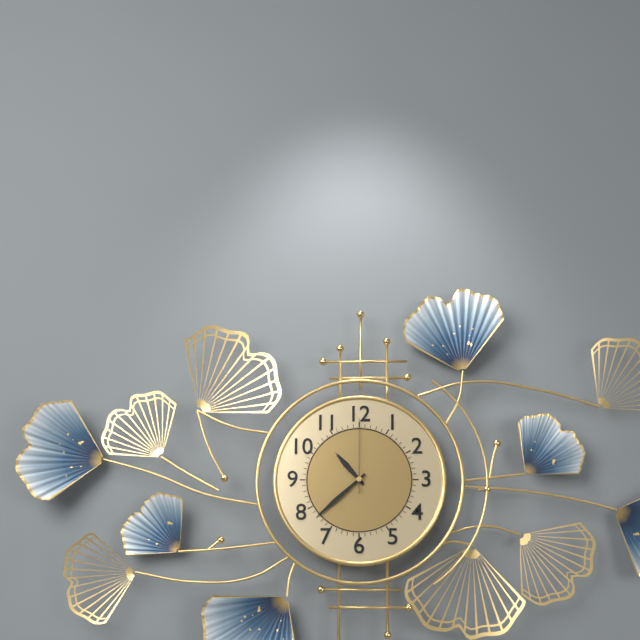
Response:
h=10 m=38 s=0
